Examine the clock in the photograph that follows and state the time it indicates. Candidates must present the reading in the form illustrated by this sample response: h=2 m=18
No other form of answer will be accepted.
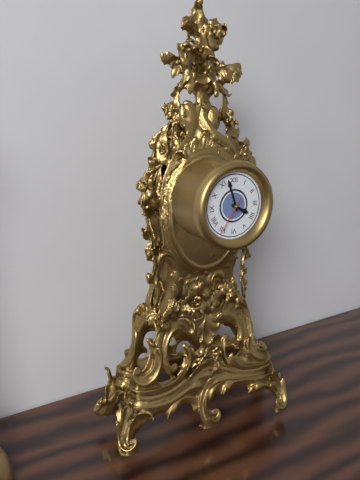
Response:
h=3 m=57
